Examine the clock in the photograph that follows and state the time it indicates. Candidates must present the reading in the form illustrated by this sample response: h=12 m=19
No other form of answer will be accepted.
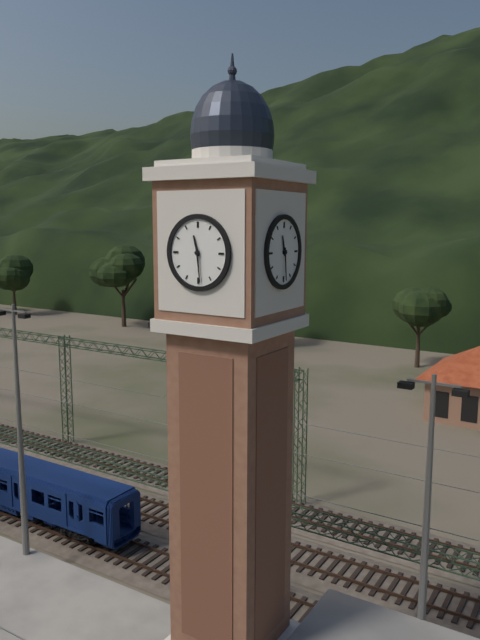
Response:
h=11 m=29
